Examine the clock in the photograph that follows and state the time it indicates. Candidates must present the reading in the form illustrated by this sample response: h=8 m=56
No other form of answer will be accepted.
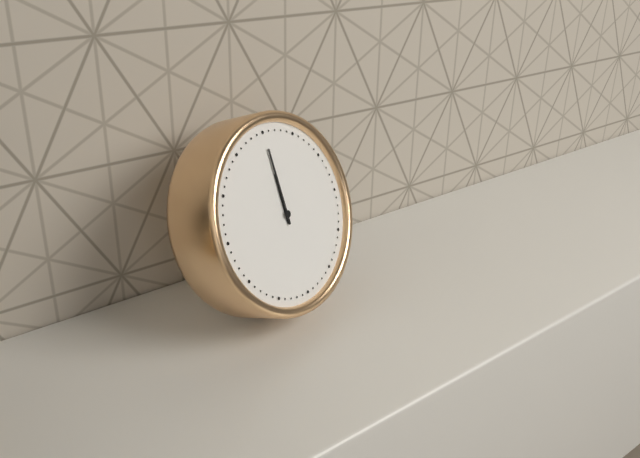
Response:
h=12 m=0
